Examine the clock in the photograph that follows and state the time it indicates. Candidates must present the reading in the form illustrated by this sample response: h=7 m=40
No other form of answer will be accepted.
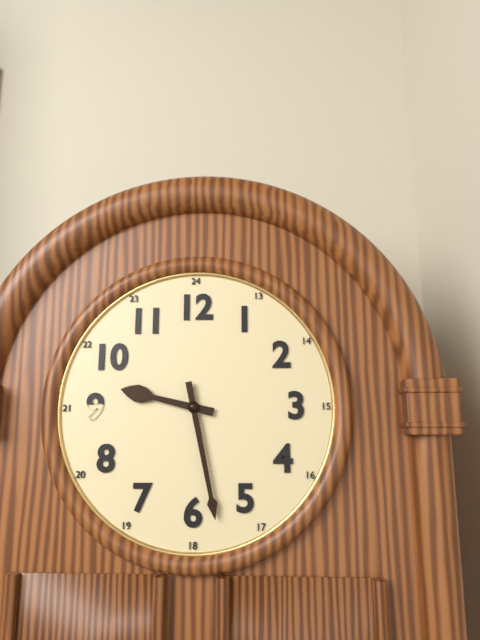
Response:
h=9 m=28
